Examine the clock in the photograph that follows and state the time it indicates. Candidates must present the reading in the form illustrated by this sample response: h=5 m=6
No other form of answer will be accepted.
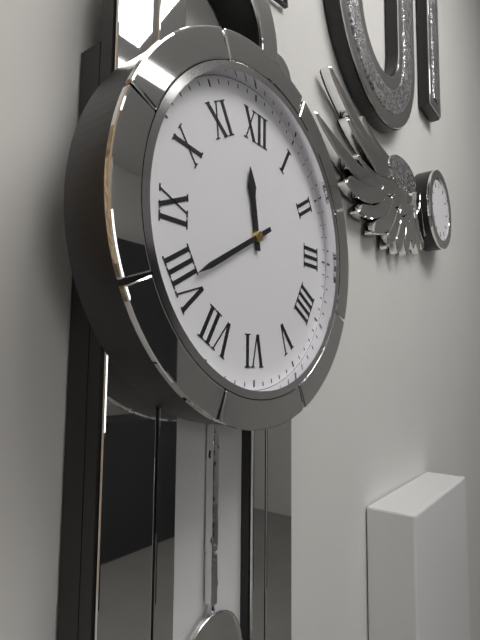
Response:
h=11 m=40
